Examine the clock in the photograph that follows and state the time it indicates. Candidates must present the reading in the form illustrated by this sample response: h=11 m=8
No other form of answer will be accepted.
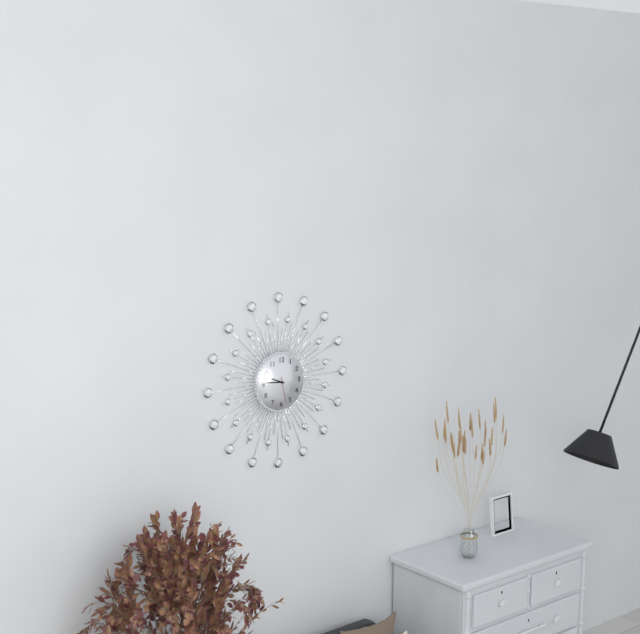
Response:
h=9 m=46
